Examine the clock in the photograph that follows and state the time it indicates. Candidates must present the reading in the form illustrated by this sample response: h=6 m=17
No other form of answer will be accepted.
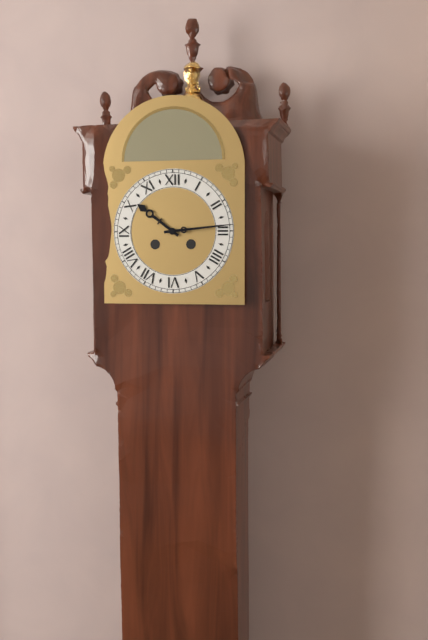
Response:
h=10 m=14
